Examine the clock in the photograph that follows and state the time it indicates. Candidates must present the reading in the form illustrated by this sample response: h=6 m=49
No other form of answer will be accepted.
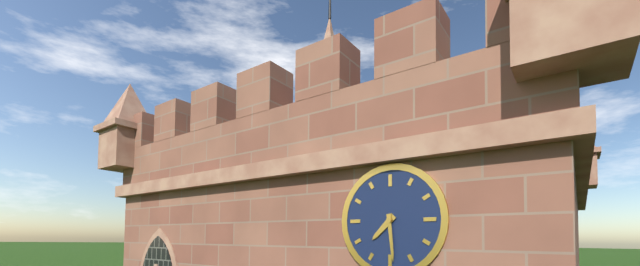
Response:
h=7 m=29
